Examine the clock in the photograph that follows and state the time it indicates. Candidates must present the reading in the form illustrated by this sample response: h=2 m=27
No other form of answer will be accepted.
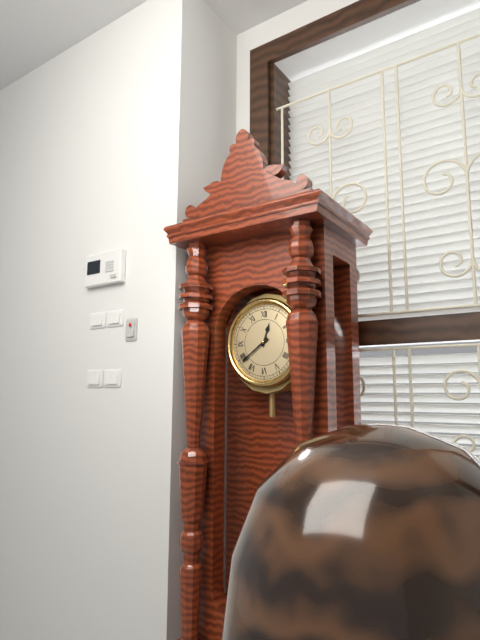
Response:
h=12 m=39
